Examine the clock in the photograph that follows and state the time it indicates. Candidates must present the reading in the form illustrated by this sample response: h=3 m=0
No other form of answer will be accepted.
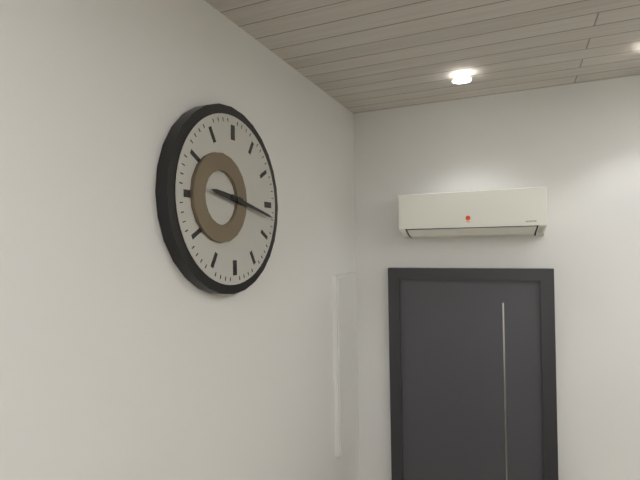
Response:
h=9 m=17
